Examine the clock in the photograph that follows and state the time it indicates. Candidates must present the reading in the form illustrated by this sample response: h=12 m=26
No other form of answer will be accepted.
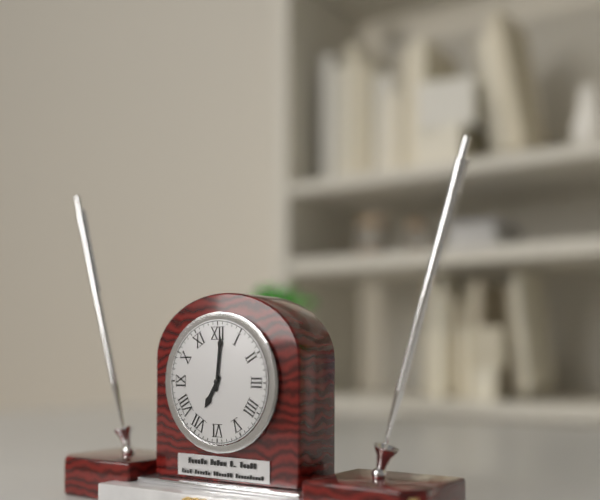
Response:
h=7 m=1
